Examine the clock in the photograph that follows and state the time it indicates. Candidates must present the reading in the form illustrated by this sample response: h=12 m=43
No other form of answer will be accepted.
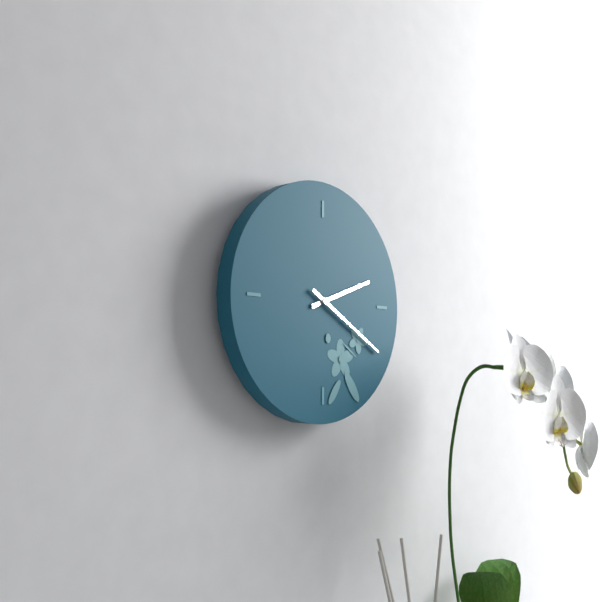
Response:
h=2 m=20
